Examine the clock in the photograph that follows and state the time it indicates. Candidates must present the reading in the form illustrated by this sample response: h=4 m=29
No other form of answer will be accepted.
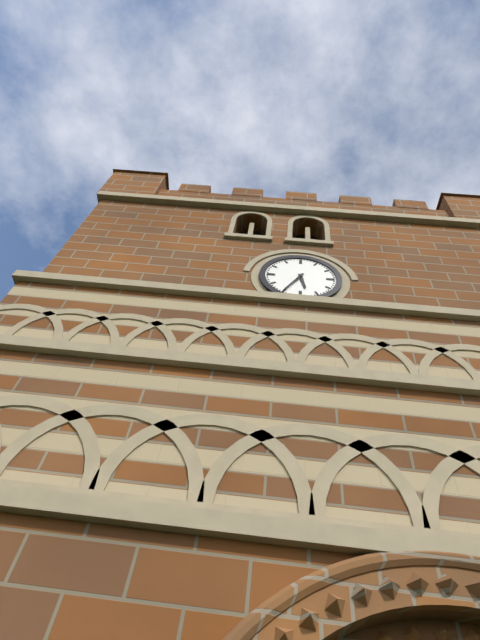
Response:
h=5 m=35
